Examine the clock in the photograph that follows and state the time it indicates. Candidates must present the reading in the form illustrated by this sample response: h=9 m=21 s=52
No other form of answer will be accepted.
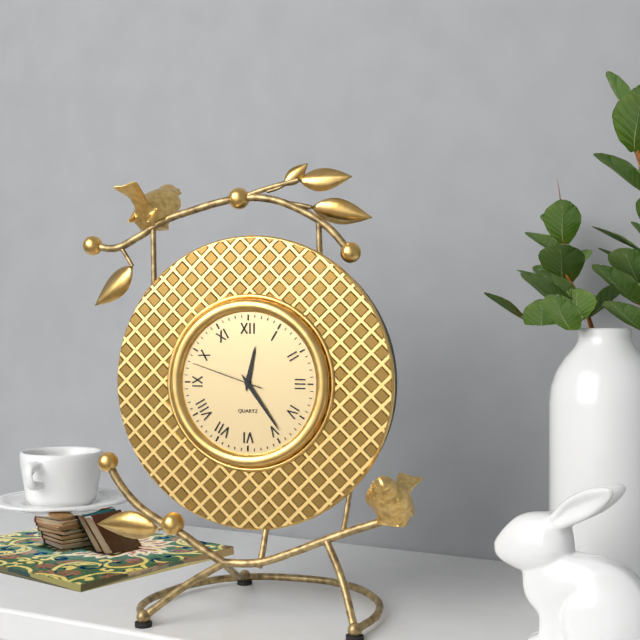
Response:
h=12 m=24 s=48
